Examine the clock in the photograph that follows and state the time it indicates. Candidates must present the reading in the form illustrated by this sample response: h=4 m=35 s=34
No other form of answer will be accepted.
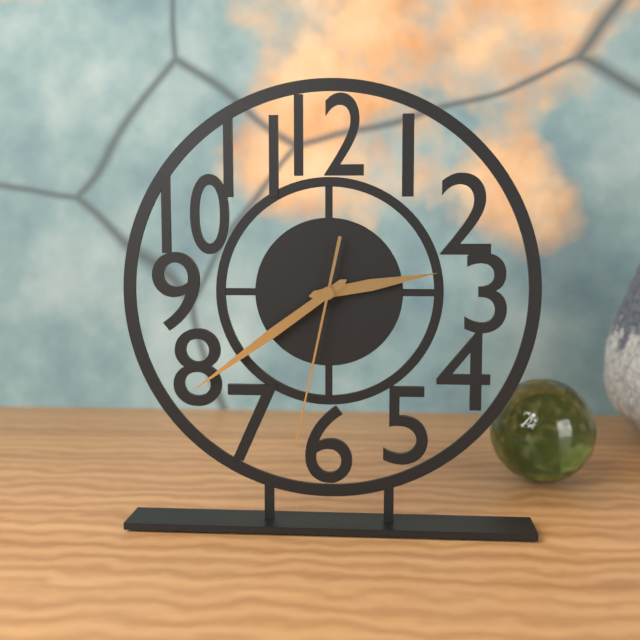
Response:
h=2 m=39 s=32
